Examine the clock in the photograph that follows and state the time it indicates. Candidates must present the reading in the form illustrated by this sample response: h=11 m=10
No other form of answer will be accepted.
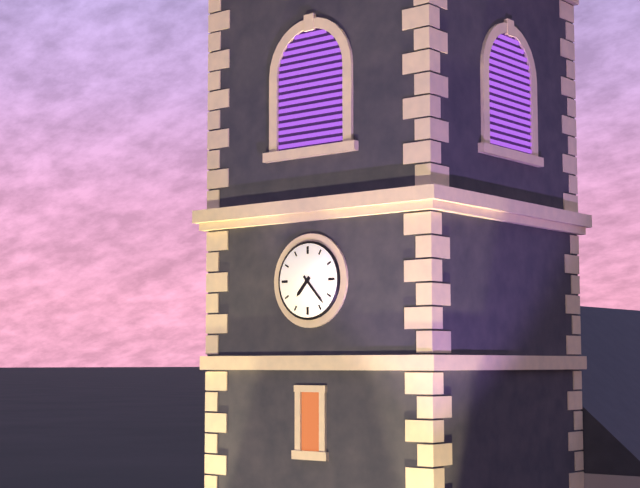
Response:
h=7 m=23
